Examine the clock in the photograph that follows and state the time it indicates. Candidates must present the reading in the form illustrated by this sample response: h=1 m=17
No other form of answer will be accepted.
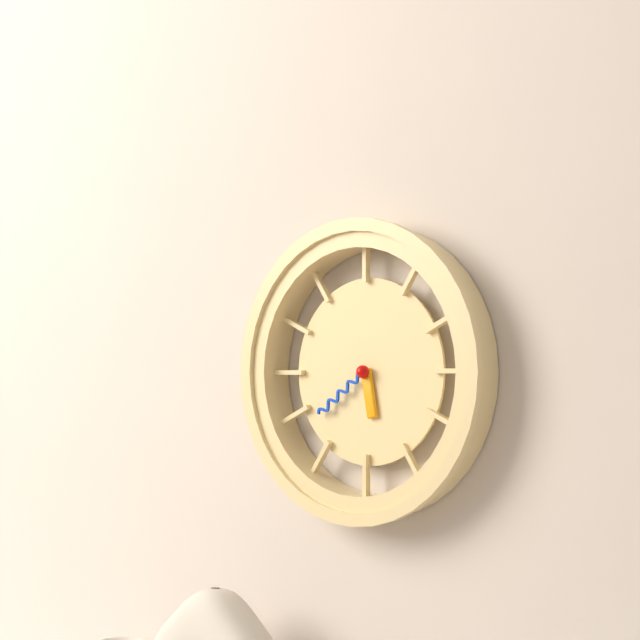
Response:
h=5 m=39
